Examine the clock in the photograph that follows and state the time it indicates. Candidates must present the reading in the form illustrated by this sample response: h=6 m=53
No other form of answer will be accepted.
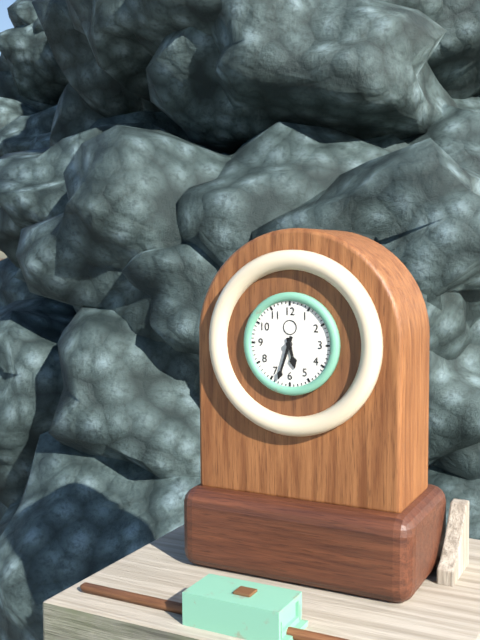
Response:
h=5 m=33
